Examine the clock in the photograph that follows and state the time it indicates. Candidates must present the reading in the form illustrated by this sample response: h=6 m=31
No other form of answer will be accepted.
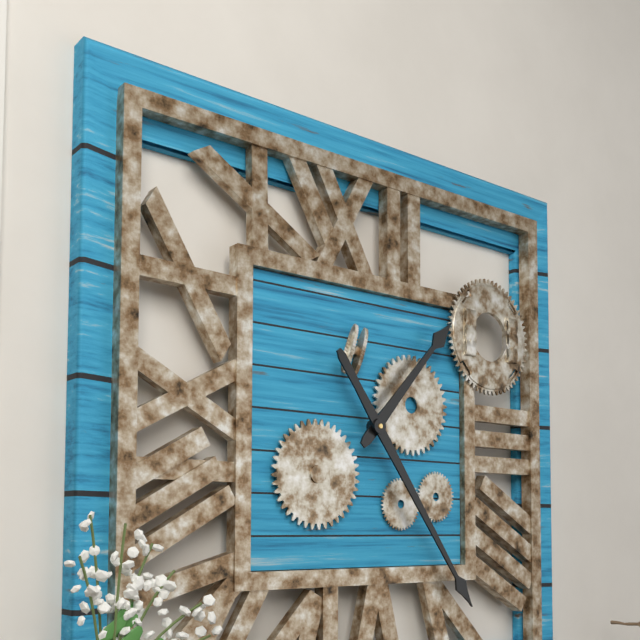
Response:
h=1 m=24
